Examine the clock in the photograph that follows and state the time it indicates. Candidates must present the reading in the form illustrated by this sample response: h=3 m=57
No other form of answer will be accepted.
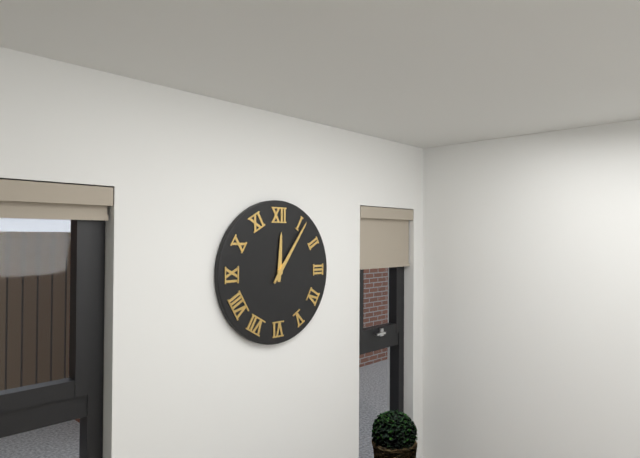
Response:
h=12 m=6
